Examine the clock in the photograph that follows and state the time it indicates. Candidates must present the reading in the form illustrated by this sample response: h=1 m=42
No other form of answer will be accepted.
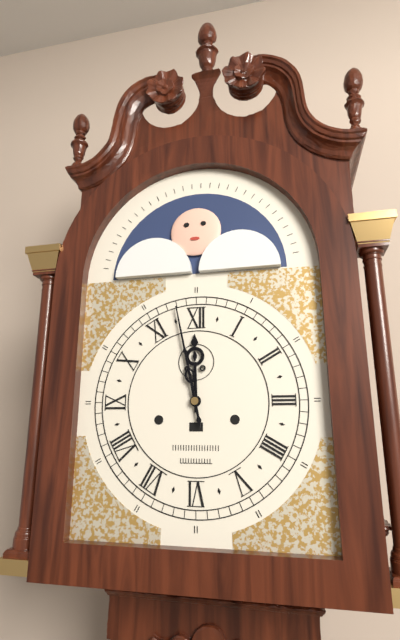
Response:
h=11 m=58
